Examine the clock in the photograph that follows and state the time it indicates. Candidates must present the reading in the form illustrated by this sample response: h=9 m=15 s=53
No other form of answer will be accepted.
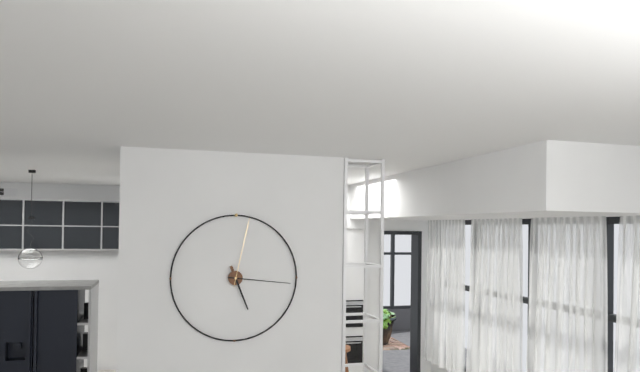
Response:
h=5 m=16 s=2
